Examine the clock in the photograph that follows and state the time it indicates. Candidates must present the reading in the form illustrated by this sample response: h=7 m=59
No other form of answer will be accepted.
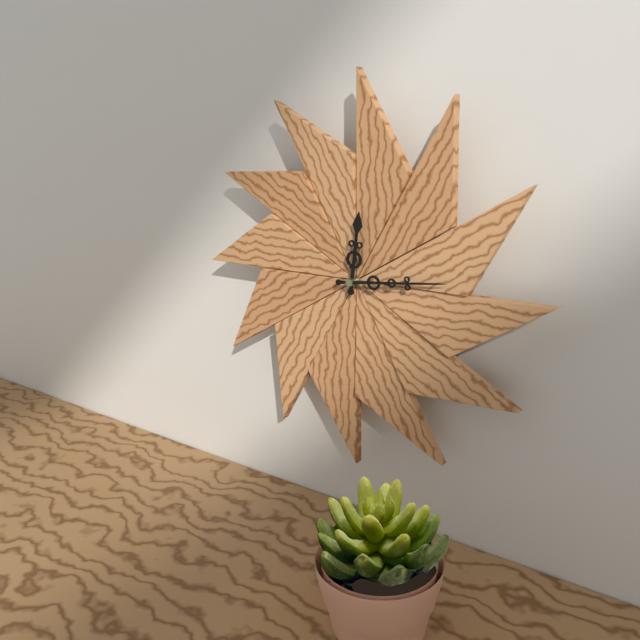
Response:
h=12 m=14
